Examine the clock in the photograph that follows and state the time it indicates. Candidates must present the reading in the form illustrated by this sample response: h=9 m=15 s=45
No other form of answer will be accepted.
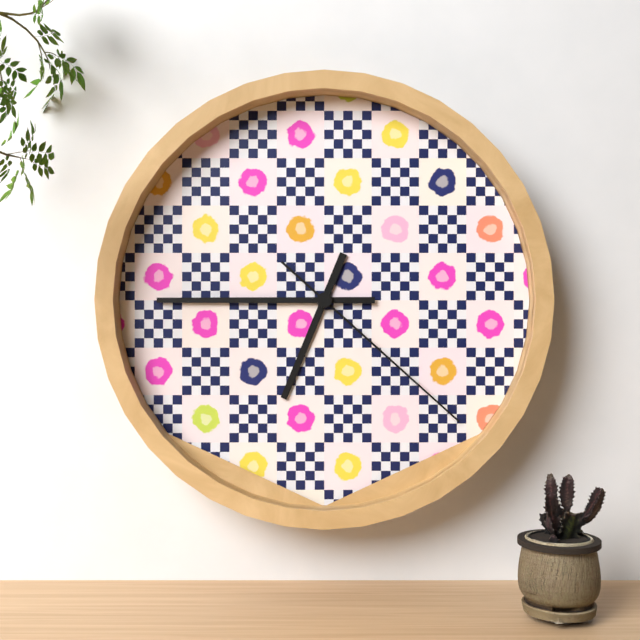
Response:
h=6 m=45 s=22
